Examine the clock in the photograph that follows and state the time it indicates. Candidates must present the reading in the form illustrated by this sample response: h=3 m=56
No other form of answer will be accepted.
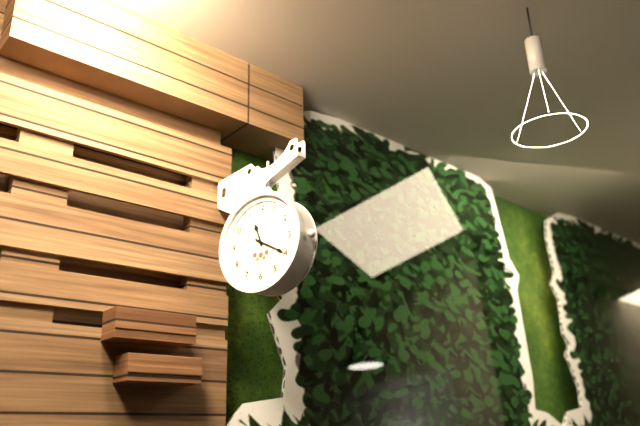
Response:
h=11 m=20
